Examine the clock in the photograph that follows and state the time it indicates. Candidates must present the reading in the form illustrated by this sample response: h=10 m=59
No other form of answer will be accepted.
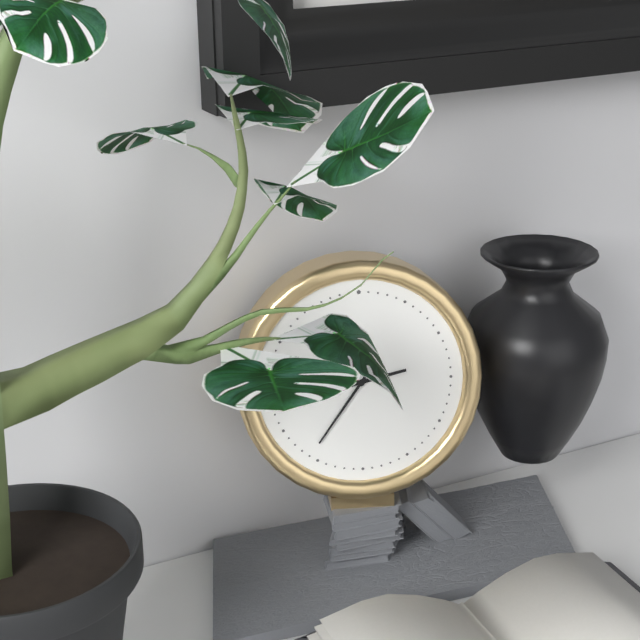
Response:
h=2 m=36
